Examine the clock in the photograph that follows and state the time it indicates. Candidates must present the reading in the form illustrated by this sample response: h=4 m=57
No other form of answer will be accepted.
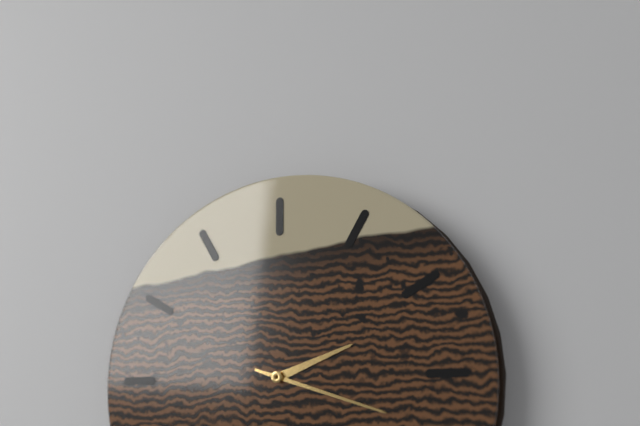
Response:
h=2 m=18
